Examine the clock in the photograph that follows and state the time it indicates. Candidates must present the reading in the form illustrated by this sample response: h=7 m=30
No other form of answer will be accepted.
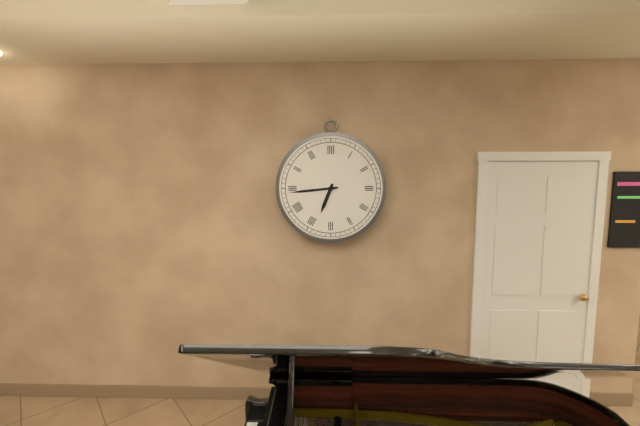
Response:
h=6 m=44
